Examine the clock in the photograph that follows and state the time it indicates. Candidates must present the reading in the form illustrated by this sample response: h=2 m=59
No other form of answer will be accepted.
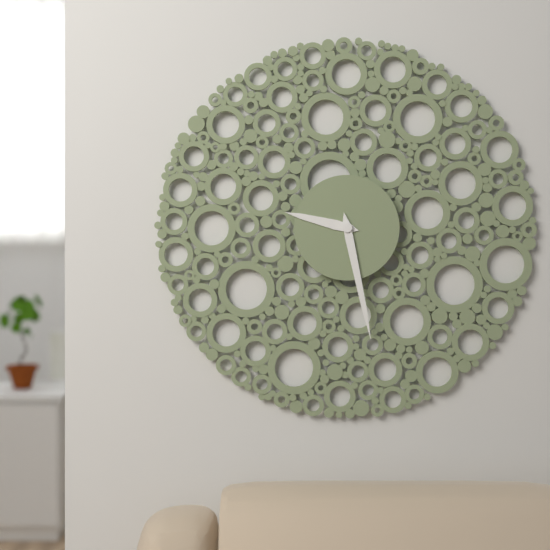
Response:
h=9 m=28
